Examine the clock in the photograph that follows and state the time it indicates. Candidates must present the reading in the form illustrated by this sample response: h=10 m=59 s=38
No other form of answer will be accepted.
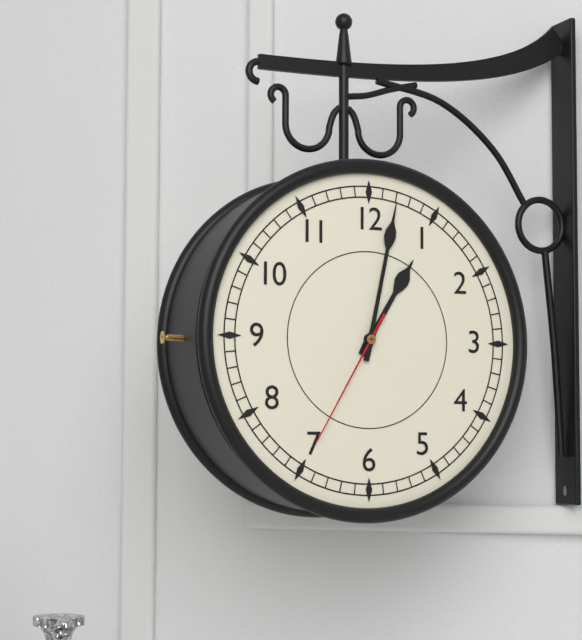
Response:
h=1 m=2 s=35
